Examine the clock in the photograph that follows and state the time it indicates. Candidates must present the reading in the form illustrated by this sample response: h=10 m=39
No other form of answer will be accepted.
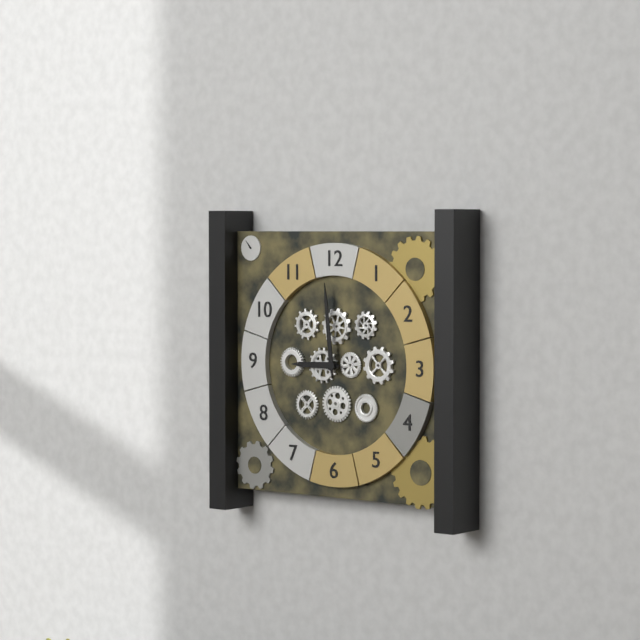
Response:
h=8 m=59
